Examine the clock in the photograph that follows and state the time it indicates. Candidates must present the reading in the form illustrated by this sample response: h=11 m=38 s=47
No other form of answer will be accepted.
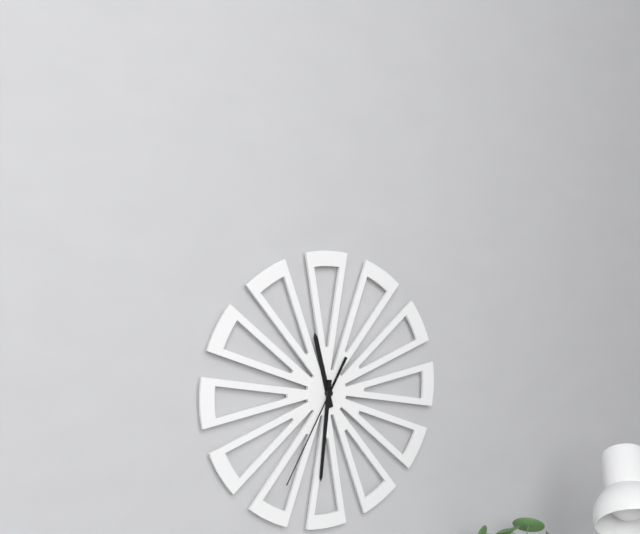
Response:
h=11 m=31 s=35
